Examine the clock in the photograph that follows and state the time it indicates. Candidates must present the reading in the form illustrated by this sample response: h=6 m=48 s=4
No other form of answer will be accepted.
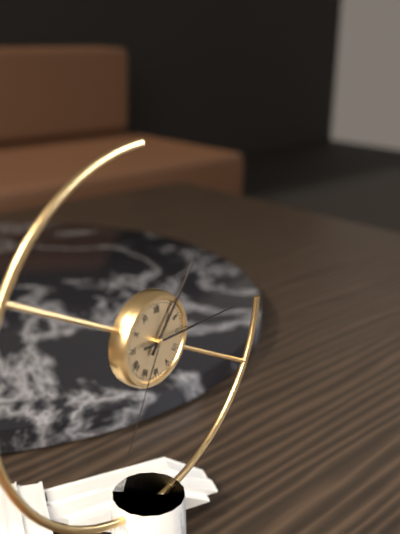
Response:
h=1 m=15 s=34
